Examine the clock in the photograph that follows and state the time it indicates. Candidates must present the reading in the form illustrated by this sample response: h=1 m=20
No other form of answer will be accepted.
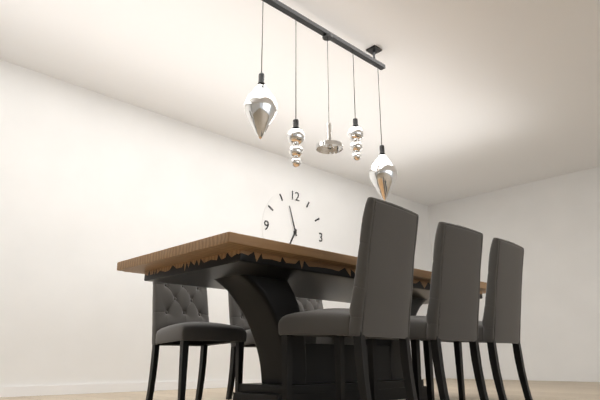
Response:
h=6 m=57
